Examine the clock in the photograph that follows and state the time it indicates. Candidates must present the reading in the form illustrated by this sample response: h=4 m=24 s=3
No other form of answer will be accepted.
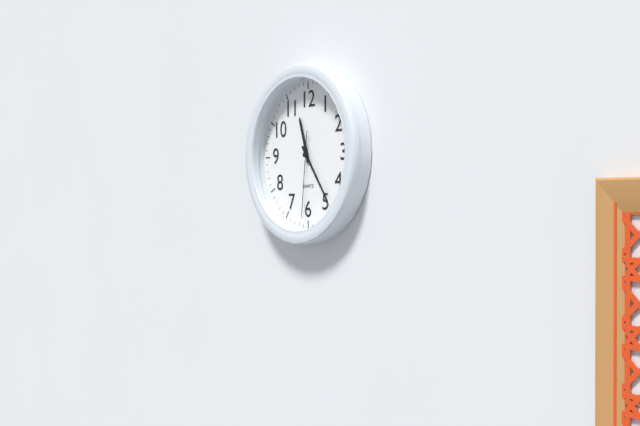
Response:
h=11 m=24 s=31
